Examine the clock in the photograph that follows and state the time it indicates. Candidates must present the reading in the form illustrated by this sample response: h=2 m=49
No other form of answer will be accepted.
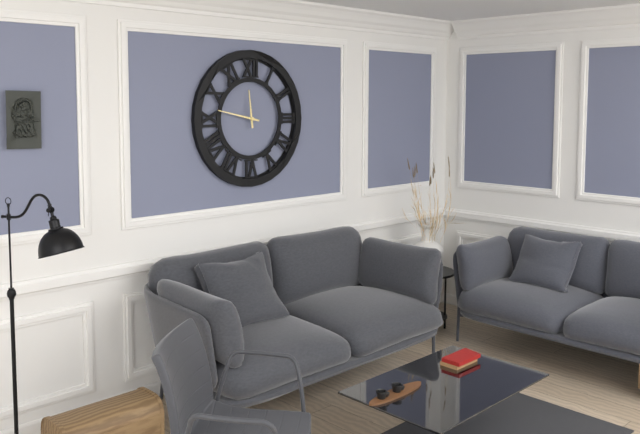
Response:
h=11 m=47
